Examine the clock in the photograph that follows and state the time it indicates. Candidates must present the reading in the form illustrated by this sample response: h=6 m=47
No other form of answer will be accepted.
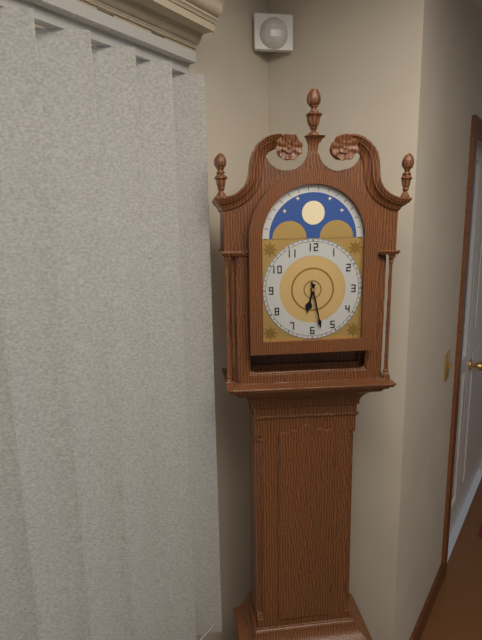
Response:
h=6 m=28
